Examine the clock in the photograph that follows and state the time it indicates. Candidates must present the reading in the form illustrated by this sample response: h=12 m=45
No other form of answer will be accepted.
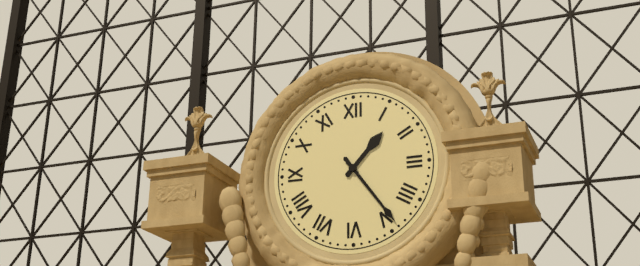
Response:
h=1 m=24
